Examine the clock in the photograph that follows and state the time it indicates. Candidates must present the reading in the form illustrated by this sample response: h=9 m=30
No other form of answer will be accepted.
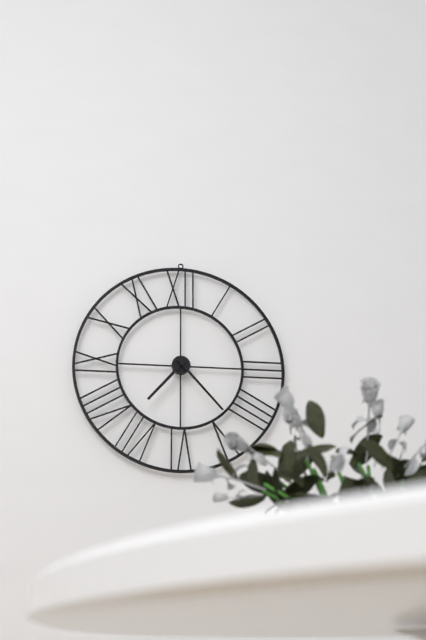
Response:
h=7 m=23
